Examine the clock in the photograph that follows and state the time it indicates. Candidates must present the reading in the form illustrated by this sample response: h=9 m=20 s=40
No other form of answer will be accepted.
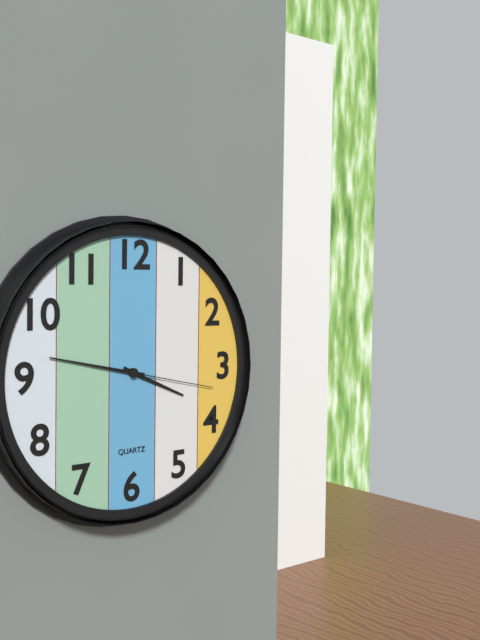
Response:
h=3 m=47 s=17
